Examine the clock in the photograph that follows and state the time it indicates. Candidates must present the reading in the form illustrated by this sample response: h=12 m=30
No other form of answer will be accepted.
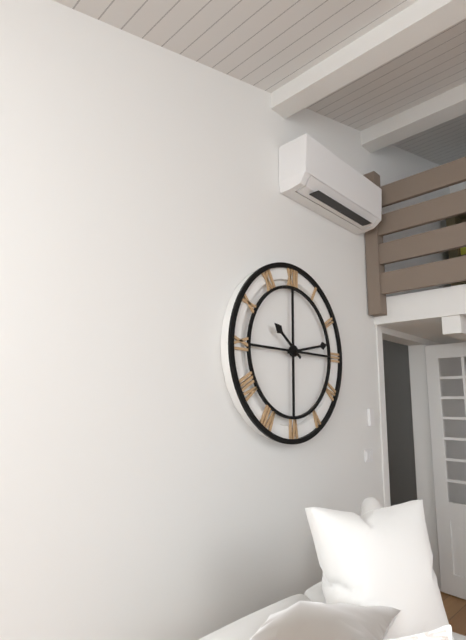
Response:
h=10 m=13
